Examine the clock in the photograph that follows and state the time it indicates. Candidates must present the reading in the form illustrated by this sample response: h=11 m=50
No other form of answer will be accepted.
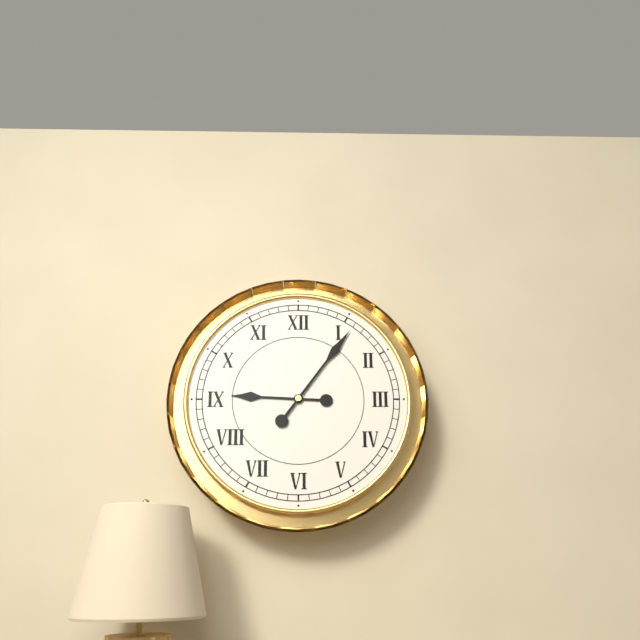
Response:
h=9 m=6
